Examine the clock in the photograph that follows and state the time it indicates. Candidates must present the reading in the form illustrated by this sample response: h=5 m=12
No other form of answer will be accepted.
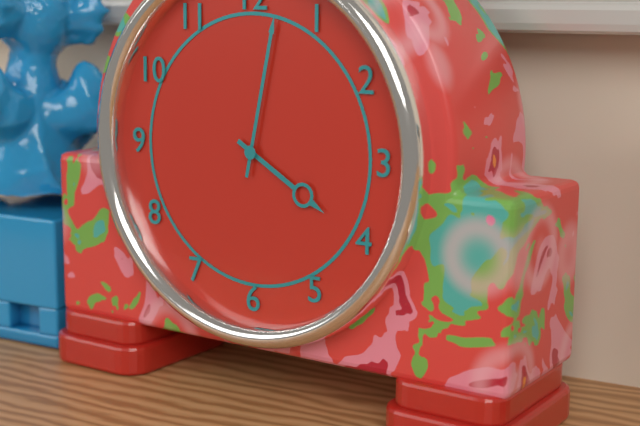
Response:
h=4 m=2
